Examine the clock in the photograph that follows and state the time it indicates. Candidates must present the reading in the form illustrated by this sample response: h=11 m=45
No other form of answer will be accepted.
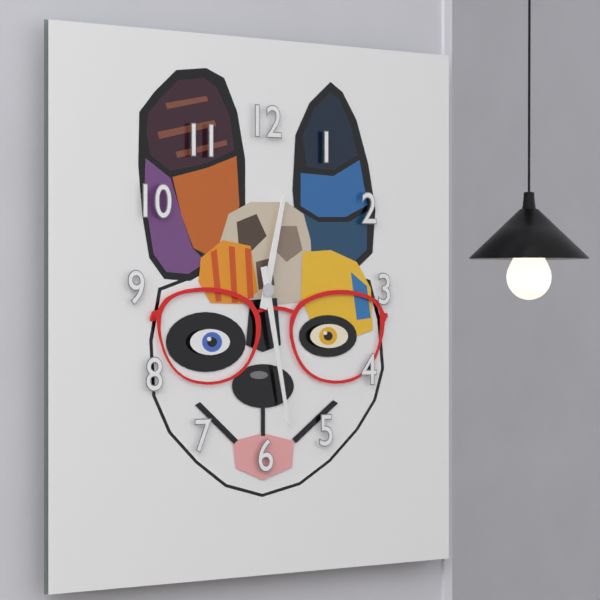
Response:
h=12 m=28
